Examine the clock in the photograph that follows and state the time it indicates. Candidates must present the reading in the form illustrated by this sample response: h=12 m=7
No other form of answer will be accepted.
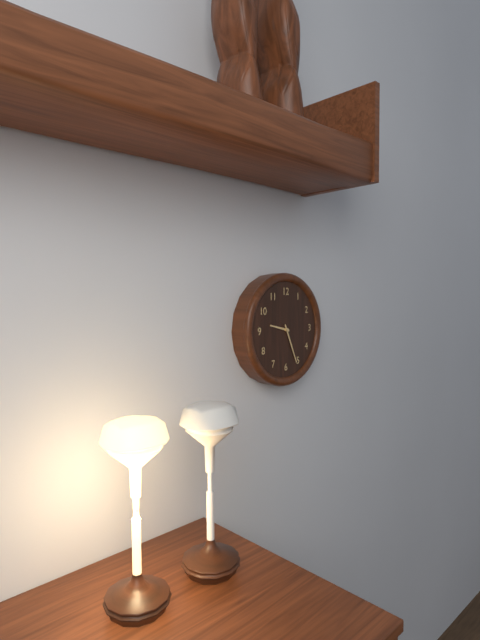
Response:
h=9 m=26
